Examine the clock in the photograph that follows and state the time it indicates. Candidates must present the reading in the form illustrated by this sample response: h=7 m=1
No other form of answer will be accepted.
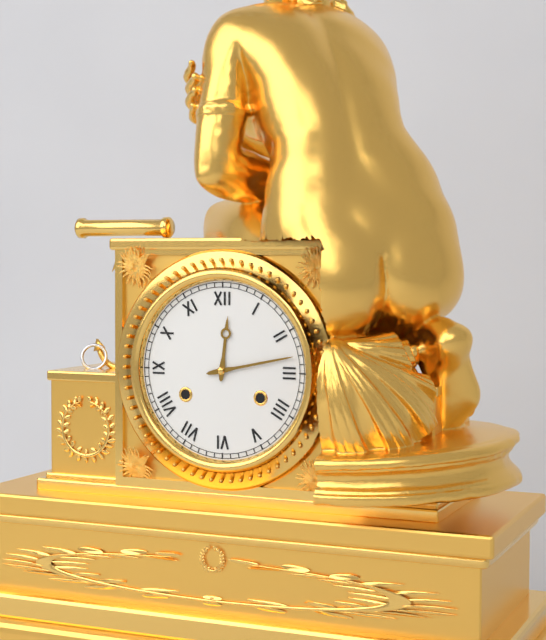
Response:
h=12 m=13
